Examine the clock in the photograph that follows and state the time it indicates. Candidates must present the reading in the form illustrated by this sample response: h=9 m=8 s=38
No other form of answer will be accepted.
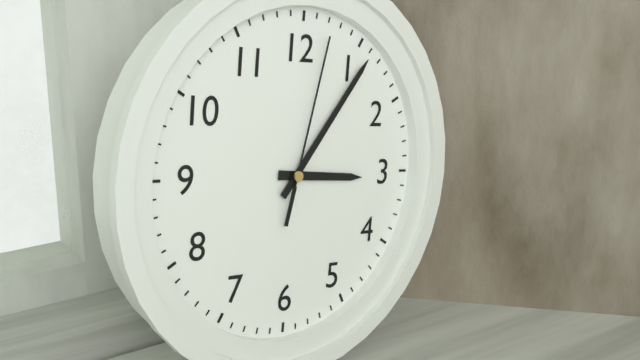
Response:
h=3 m=6 s=2
